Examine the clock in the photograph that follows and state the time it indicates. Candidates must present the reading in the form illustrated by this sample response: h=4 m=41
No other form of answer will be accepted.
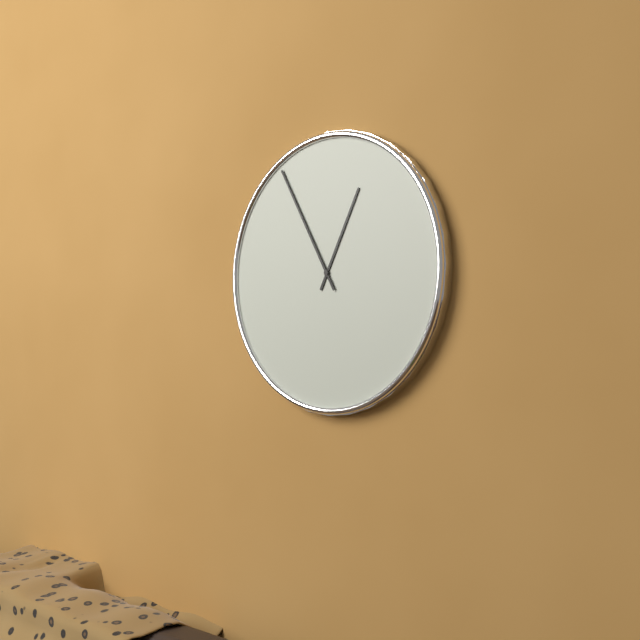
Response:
h=12 m=55
